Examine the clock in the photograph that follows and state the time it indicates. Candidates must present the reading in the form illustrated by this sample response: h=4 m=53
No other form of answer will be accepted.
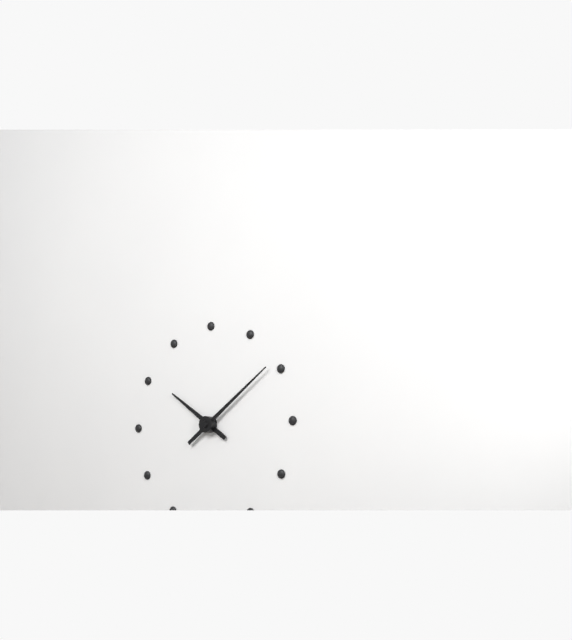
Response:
h=10 m=9
